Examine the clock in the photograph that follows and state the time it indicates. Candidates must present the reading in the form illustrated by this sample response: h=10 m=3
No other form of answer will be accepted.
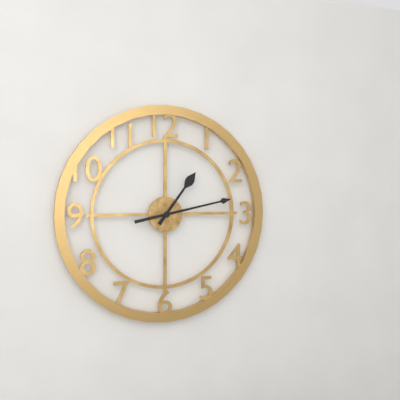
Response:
h=1 m=13
